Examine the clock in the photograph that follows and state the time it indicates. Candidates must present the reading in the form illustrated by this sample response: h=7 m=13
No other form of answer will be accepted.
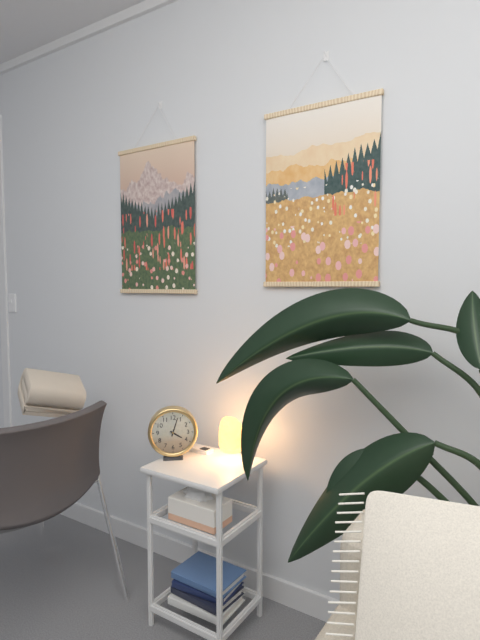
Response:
h=4 m=3
